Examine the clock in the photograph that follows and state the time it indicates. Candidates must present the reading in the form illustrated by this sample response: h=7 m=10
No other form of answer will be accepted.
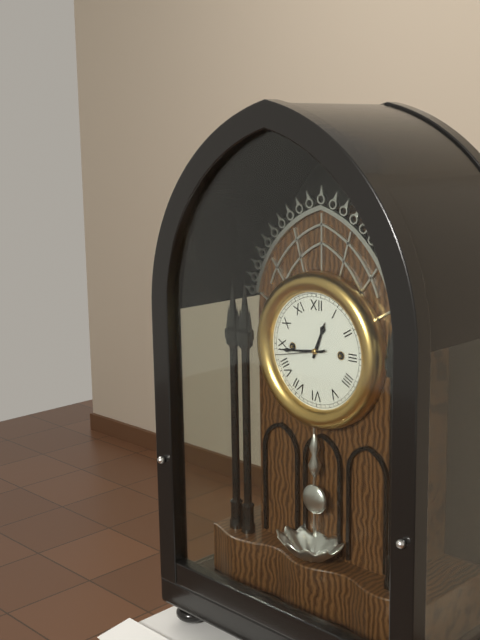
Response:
h=12 m=44
